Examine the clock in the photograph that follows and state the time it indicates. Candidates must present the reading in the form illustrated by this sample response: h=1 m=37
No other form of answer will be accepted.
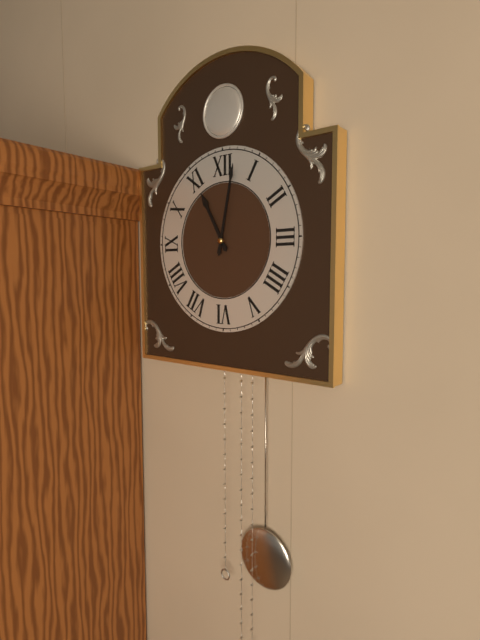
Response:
h=11 m=2
